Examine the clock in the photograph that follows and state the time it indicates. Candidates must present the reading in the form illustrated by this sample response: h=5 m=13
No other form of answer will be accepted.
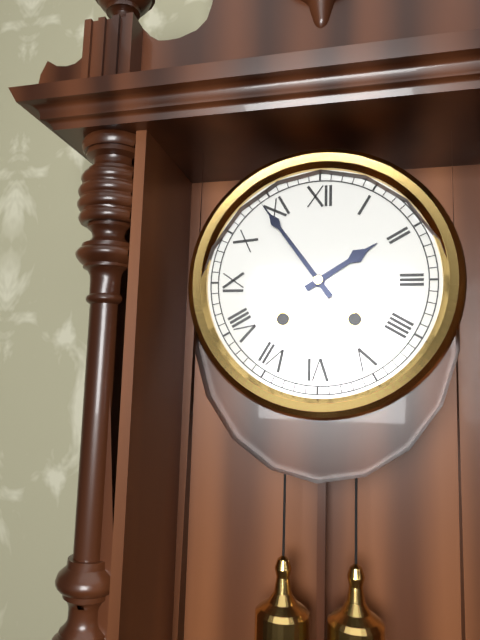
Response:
h=1 m=54
